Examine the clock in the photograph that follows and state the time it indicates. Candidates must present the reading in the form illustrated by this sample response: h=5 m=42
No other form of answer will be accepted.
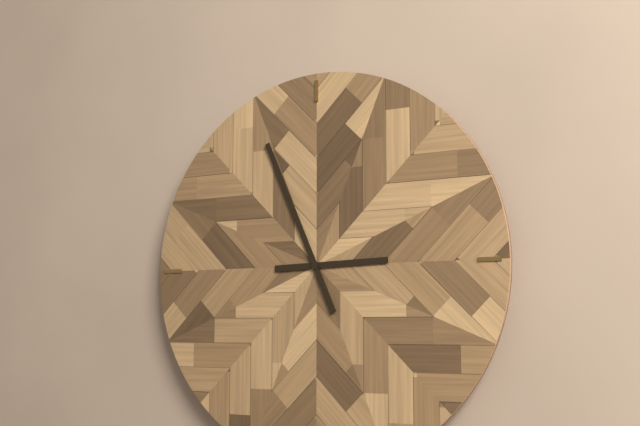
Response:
h=2 m=56
